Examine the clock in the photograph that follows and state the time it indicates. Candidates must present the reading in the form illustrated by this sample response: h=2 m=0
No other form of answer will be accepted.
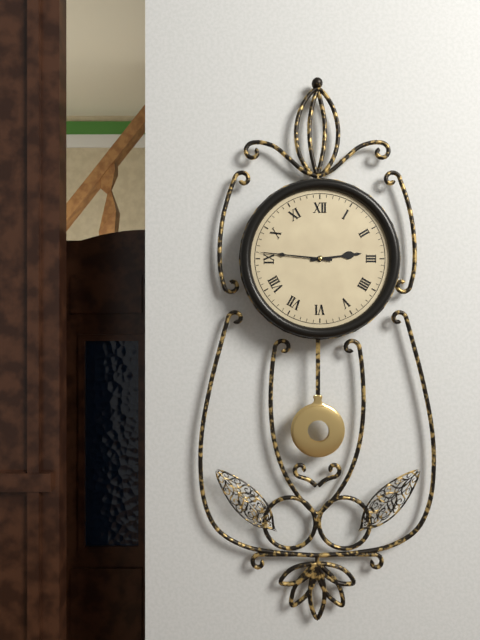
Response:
h=2 m=46
